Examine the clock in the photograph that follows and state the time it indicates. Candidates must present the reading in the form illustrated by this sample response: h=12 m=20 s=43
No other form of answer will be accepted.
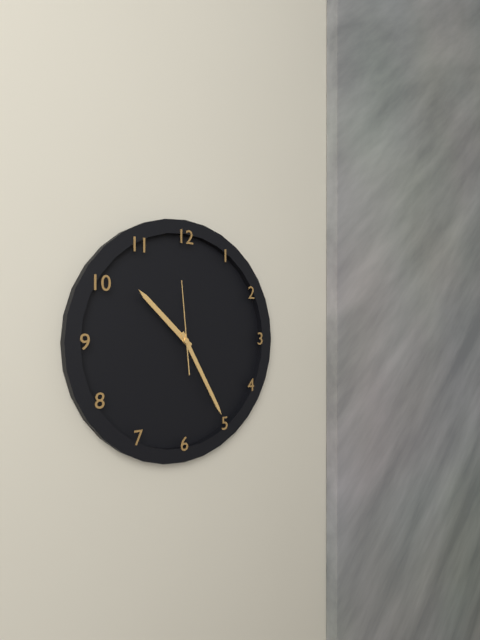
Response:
h=10 m=25 s=59
